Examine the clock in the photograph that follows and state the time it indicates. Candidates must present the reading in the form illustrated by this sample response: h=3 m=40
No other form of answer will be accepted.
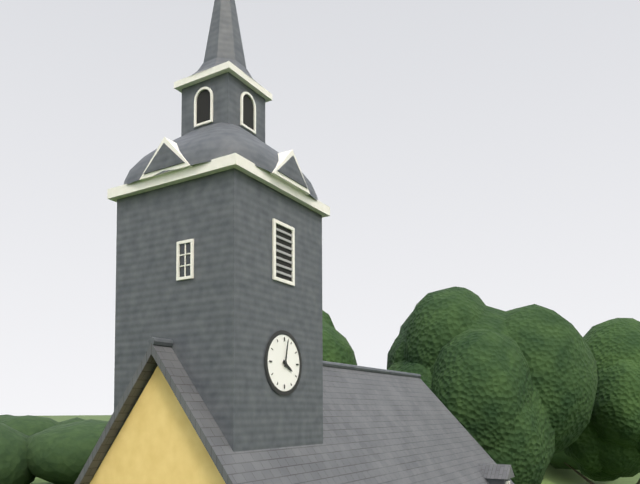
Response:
h=4 m=2
